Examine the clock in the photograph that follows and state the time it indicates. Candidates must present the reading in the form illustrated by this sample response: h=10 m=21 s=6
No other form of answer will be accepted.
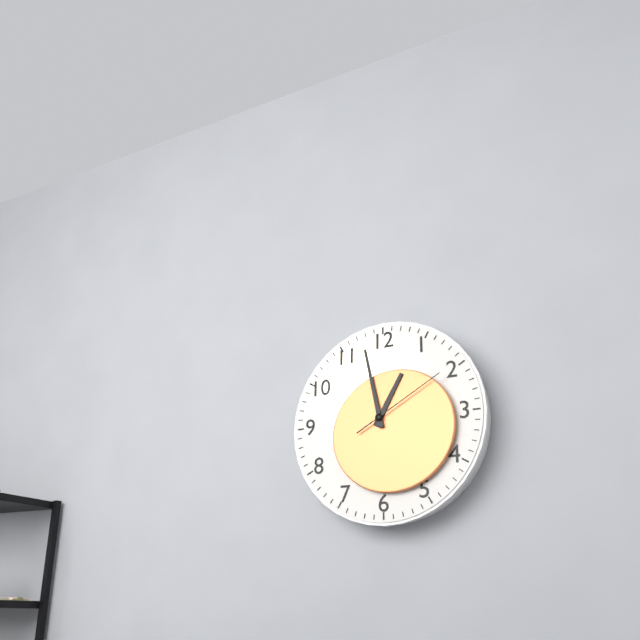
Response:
h=12 m=58 s=10
